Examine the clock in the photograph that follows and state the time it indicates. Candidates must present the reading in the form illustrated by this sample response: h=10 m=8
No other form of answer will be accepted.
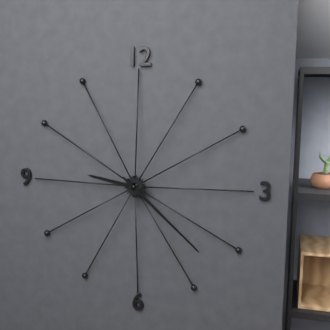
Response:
h=9 m=22
